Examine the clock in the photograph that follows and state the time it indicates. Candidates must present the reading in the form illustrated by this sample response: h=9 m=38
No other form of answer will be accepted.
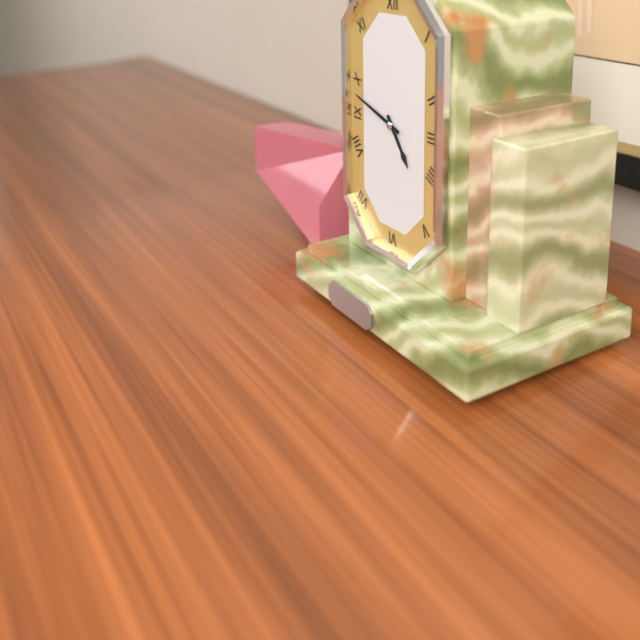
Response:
h=4 m=48
